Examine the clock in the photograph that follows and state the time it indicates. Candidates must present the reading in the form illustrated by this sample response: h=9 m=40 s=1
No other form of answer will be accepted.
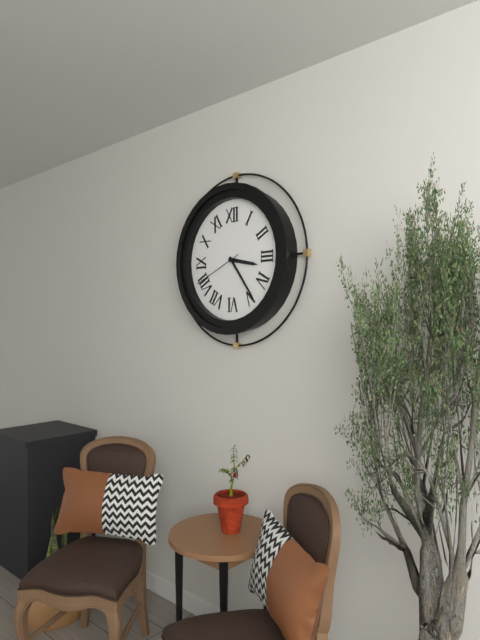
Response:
h=3 m=24 s=41
